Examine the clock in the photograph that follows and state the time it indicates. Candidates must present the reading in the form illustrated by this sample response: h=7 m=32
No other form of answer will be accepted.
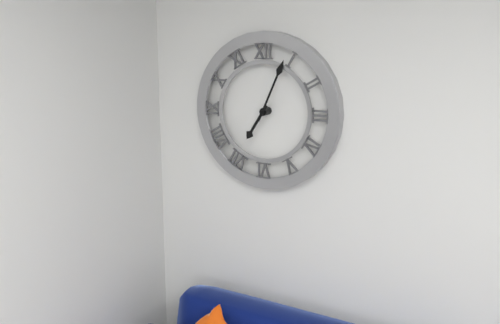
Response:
h=7 m=4
